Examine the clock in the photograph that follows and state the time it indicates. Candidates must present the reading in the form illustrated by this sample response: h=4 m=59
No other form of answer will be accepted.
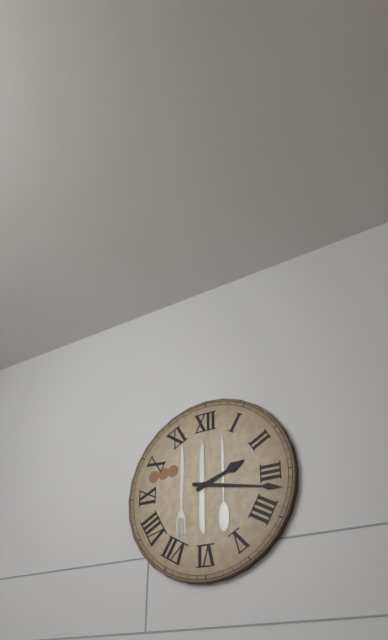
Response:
h=2 m=17
